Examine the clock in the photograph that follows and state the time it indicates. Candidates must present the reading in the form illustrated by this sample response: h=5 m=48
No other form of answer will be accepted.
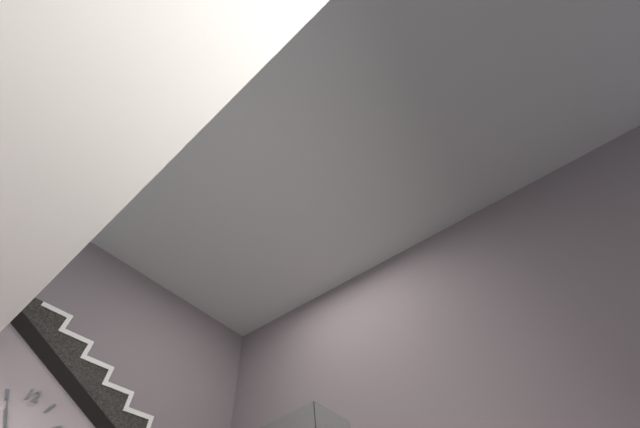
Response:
h=10 m=55
